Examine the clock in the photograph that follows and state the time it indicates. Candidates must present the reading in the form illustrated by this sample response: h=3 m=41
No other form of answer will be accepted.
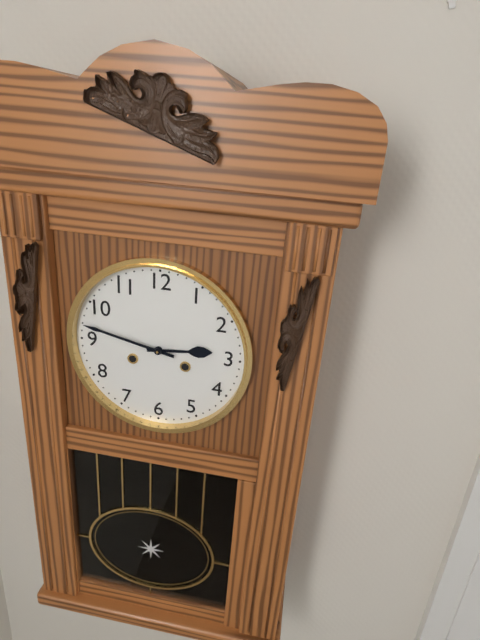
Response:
h=2 m=47
